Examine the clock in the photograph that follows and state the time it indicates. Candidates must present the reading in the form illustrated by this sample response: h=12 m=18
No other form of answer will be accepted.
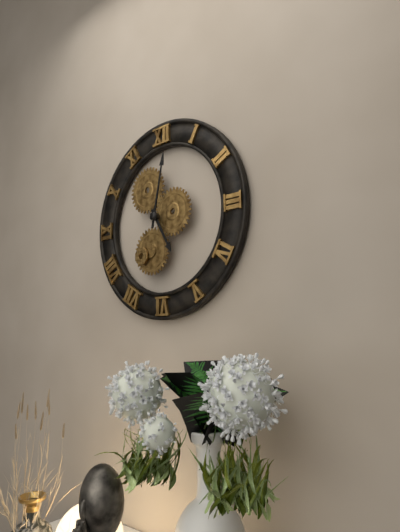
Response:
h=5 m=2
